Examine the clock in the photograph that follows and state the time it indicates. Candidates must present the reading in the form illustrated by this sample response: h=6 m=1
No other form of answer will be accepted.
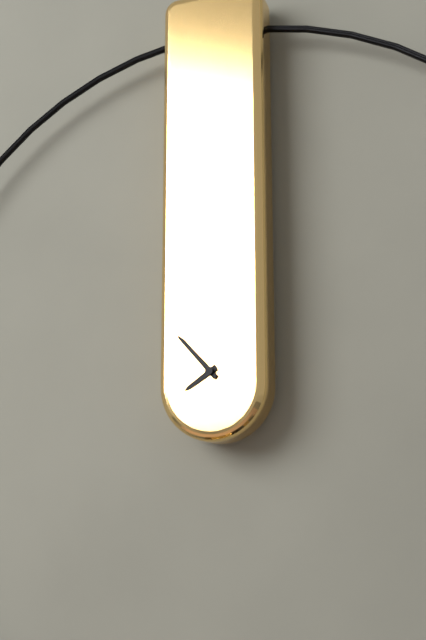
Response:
h=7 m=53
